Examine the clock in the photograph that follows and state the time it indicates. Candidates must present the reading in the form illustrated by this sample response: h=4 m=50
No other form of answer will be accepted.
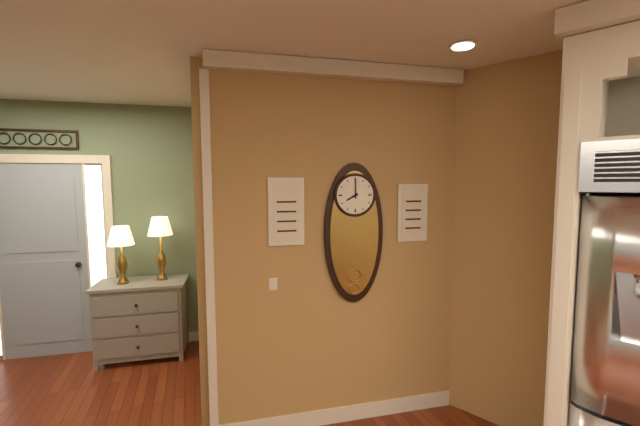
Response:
h=8 m=0
